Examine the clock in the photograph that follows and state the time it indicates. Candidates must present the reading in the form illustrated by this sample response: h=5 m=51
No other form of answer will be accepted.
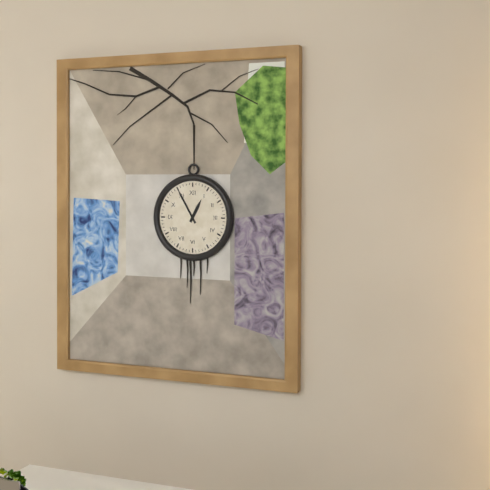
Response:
h=12 m=55
